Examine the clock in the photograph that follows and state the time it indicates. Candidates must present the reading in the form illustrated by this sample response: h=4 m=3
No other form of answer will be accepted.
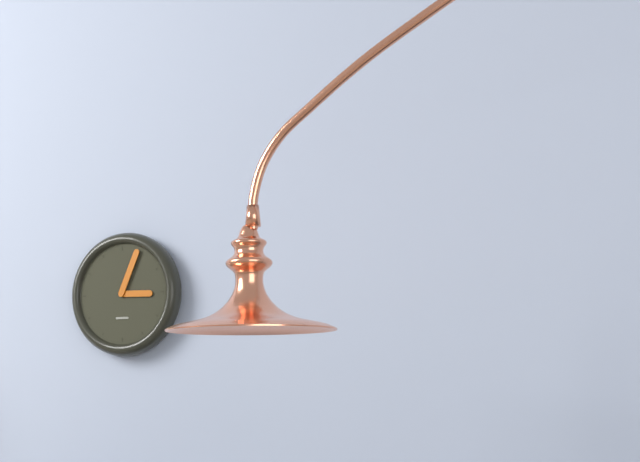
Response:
h=3 m=4
